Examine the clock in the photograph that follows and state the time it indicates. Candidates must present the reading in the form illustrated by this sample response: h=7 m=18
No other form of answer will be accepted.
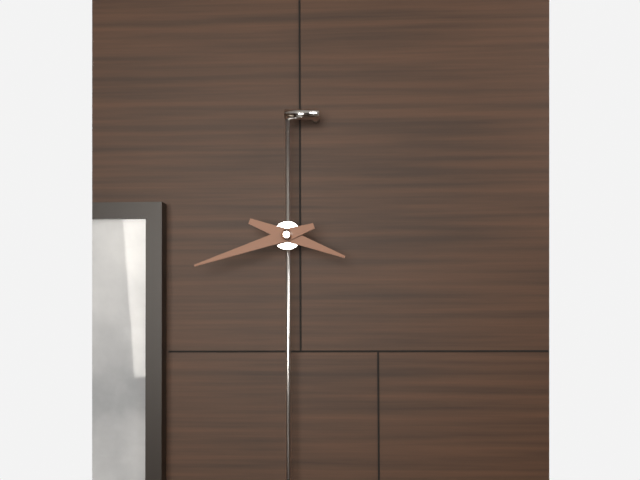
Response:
h=3 m=42
